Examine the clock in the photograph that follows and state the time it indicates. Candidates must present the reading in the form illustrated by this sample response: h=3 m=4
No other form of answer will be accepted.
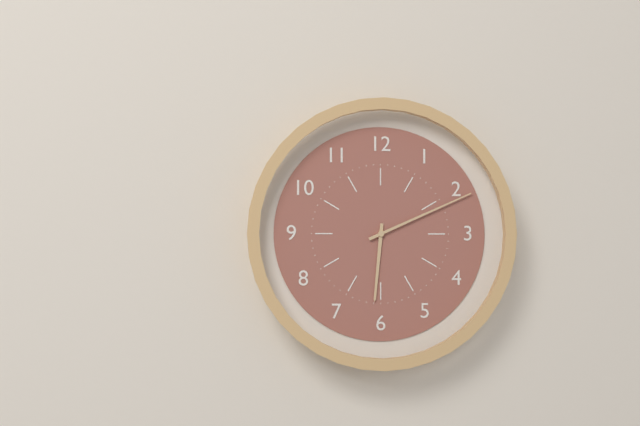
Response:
h=6 m=11
